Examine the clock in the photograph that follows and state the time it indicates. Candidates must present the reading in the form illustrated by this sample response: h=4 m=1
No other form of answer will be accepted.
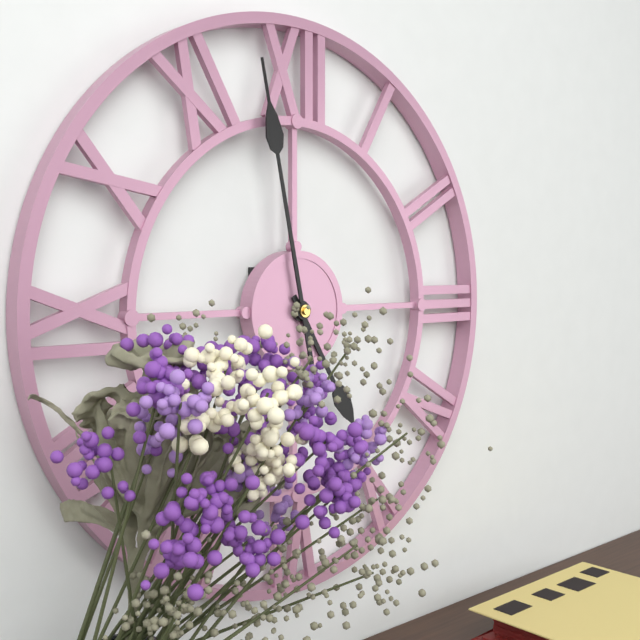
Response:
h=4 m=58
